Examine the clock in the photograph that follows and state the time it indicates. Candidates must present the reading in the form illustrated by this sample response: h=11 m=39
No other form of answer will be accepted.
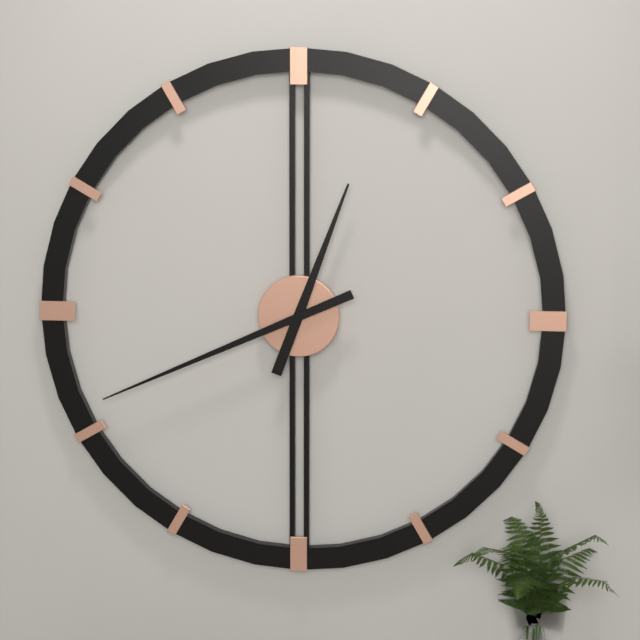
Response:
h=12 m=41
